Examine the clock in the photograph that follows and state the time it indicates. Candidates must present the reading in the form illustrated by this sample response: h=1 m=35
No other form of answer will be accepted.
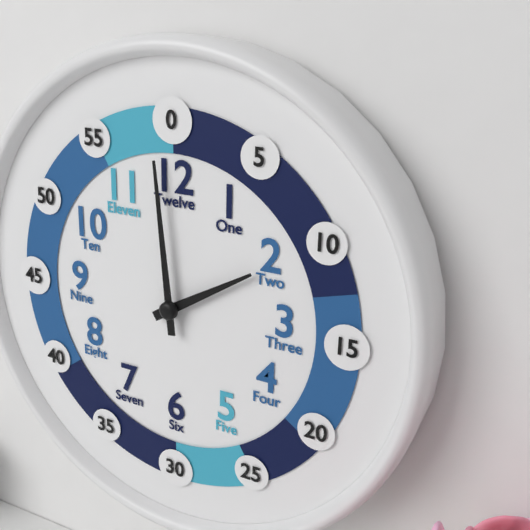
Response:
h=1 m=59
